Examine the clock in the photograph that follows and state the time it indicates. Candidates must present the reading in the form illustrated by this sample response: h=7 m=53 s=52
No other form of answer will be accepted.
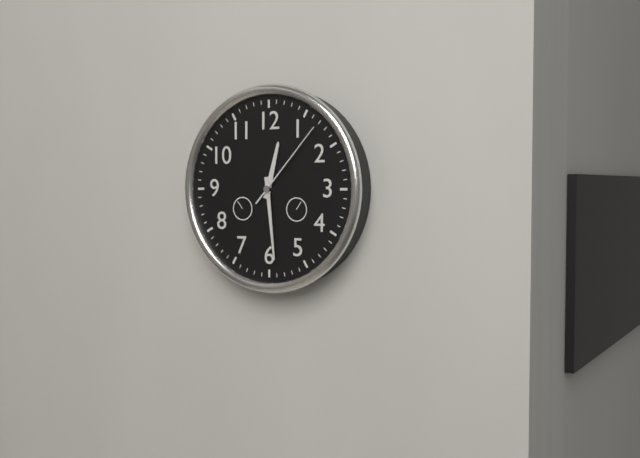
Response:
h=12 m=29 s=7
